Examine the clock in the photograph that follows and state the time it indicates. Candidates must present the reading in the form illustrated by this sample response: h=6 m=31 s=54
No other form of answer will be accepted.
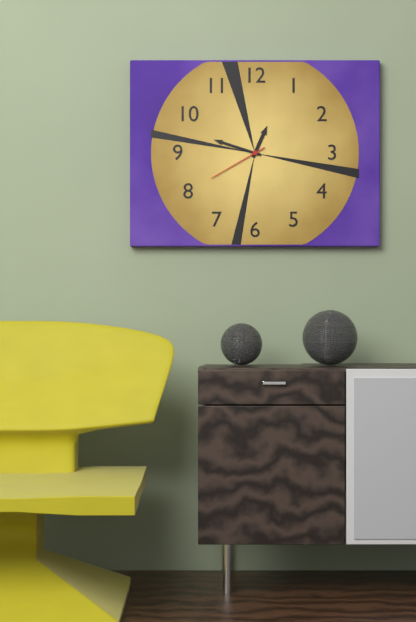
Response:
h=12 m=48 s=40
